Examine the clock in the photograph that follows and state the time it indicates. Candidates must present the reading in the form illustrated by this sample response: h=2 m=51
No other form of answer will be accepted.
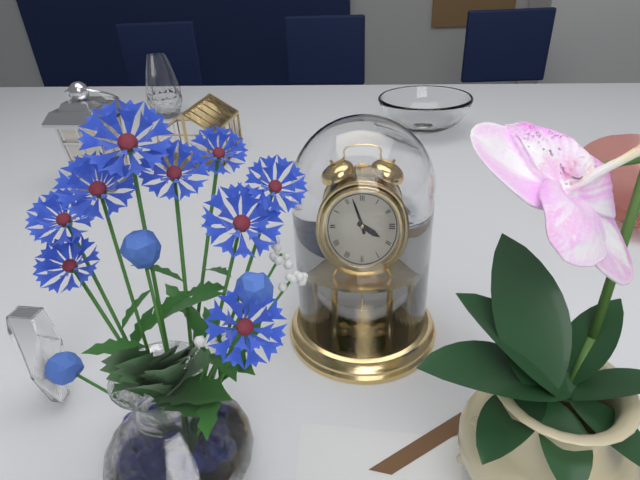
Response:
h=3 m=57
